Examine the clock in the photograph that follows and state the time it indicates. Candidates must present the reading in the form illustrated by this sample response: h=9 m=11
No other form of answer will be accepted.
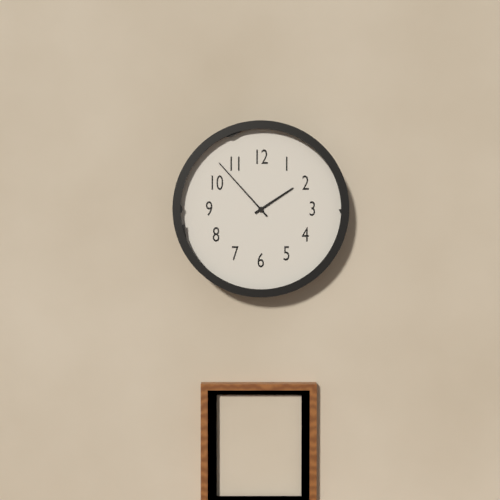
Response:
h=1 m=53
